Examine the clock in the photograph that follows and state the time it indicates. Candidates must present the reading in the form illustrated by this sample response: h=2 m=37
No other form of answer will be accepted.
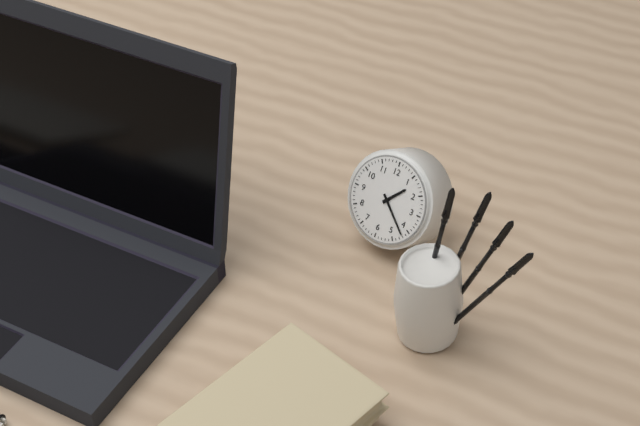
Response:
h=1 m=22
